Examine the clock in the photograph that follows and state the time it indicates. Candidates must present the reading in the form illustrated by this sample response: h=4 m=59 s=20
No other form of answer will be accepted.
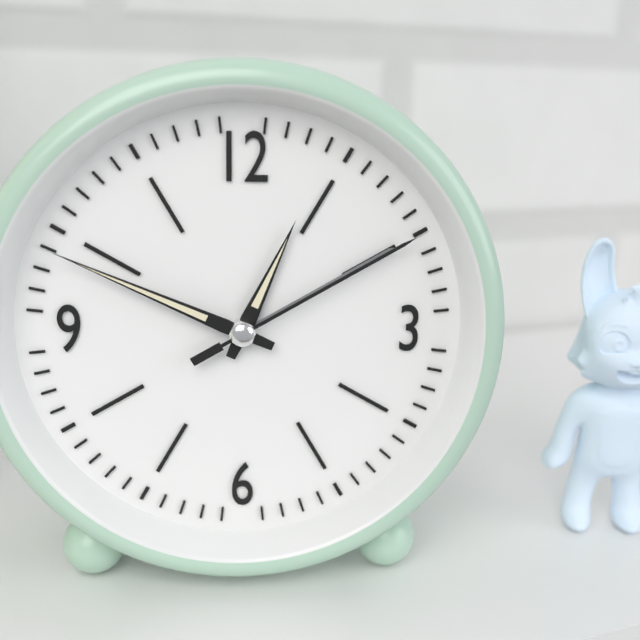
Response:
h=12 m=49 s=10
